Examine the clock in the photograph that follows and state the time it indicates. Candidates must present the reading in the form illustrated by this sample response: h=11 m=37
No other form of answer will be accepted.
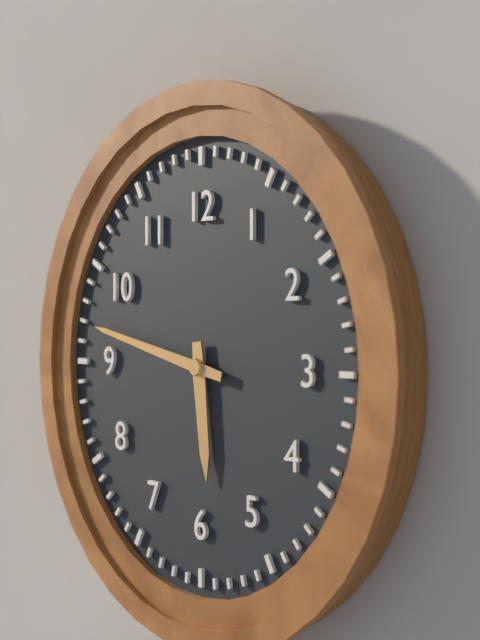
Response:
h=5 m=47
